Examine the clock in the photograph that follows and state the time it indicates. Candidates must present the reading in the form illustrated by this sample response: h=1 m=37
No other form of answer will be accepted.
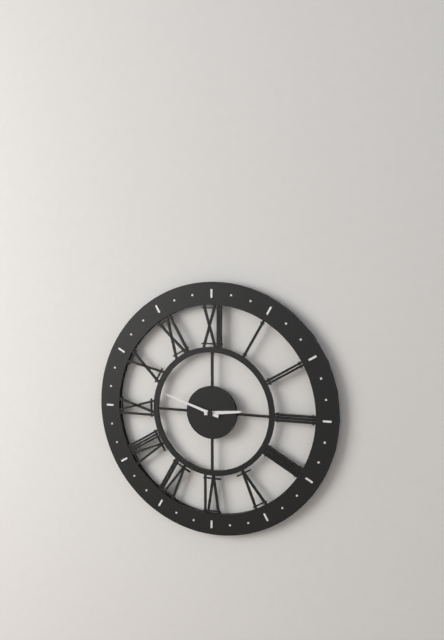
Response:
h=2 m=48
